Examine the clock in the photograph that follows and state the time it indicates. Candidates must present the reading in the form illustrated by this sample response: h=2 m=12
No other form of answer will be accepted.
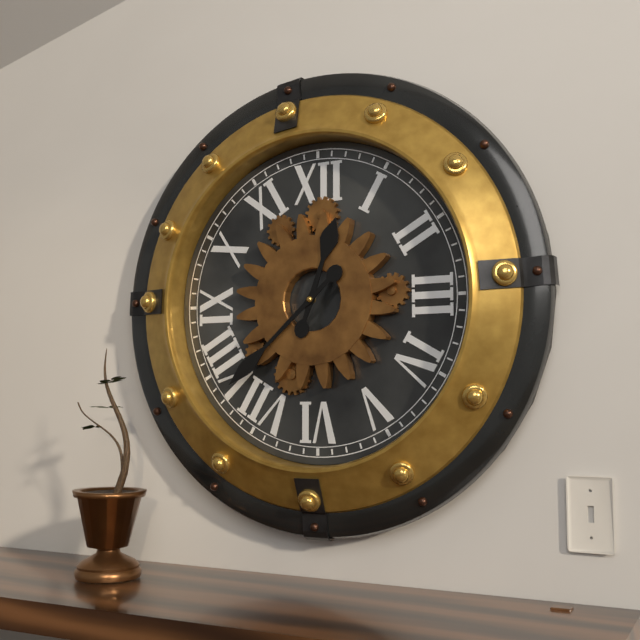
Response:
h=12 m=38
